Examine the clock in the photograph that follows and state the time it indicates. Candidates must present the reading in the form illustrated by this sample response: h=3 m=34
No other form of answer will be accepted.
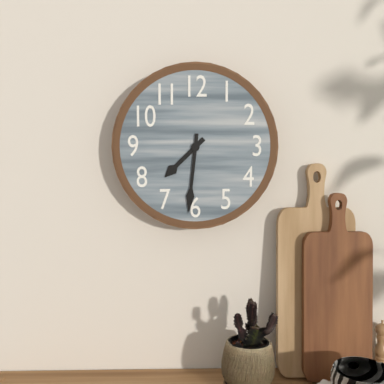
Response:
h=7 m=31
